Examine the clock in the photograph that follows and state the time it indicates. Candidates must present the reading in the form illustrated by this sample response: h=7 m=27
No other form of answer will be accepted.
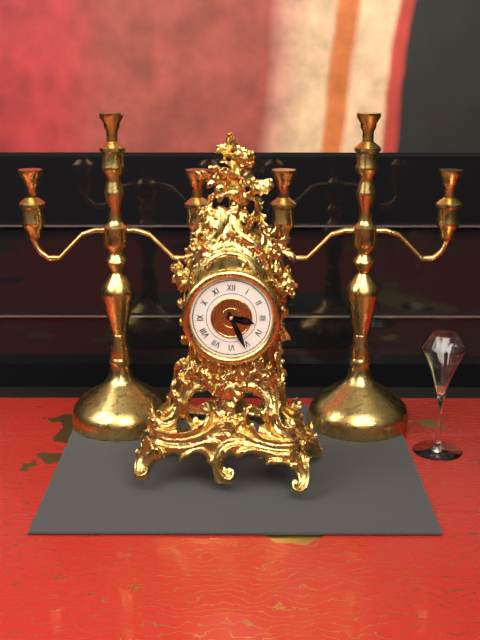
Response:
h=3 m=26
